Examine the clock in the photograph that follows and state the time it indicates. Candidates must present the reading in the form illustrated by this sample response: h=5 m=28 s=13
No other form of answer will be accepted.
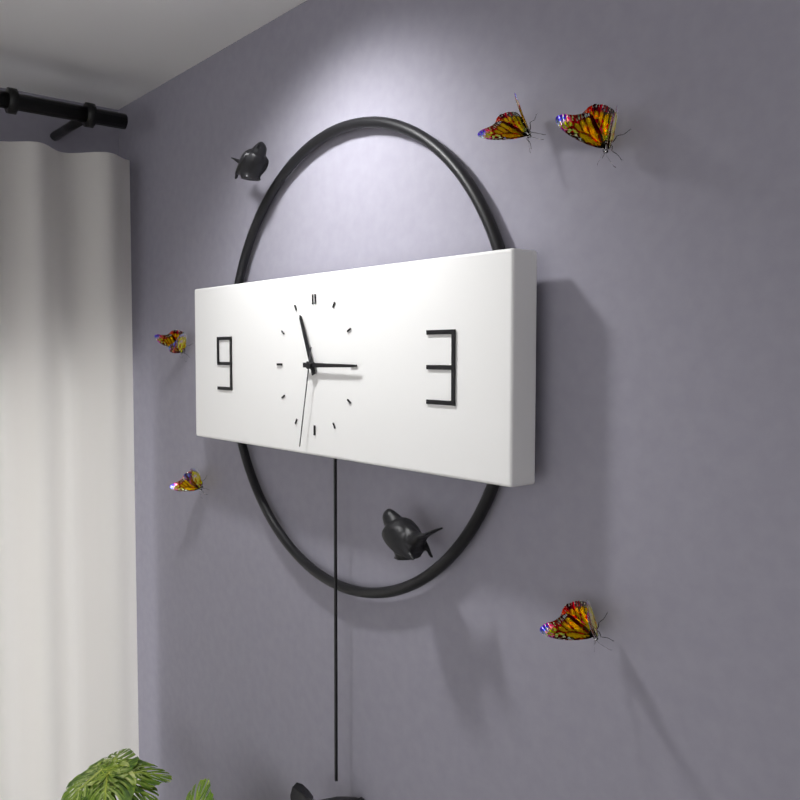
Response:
h=11 m=15 s=32
